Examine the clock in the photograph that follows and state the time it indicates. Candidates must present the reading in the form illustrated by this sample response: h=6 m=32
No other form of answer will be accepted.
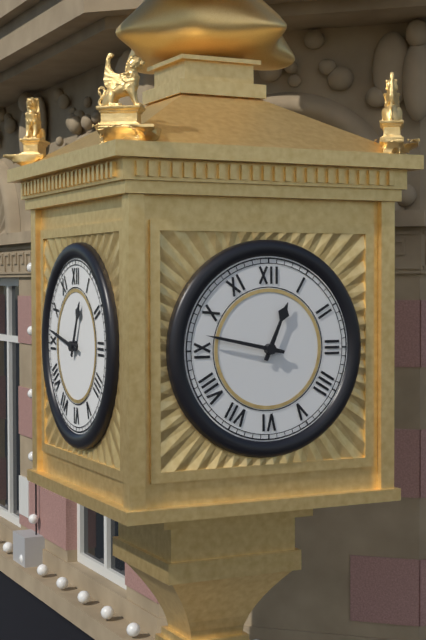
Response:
h=12 m=47
